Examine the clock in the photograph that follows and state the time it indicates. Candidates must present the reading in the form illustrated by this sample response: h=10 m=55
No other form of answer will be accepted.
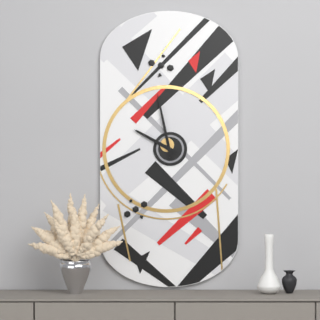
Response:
h=9 m=58
